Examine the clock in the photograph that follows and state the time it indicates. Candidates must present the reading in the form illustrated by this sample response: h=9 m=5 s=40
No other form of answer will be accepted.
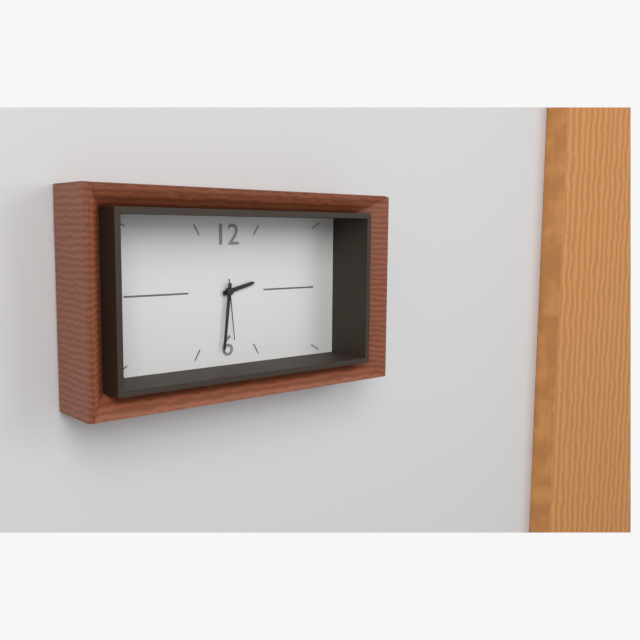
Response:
h=2 m=31 s=29
